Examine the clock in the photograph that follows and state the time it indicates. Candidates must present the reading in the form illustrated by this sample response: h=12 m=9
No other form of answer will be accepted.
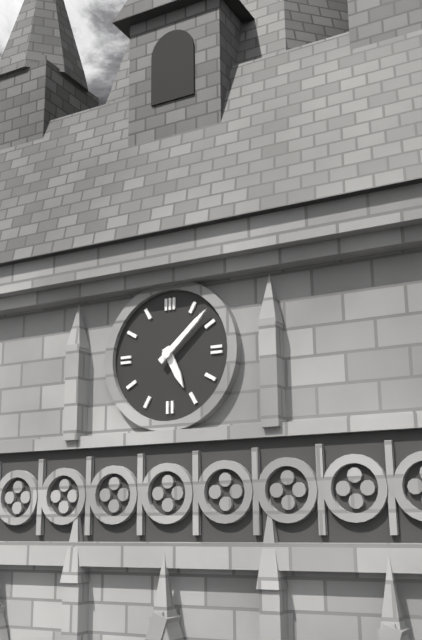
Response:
h=5 m=8
